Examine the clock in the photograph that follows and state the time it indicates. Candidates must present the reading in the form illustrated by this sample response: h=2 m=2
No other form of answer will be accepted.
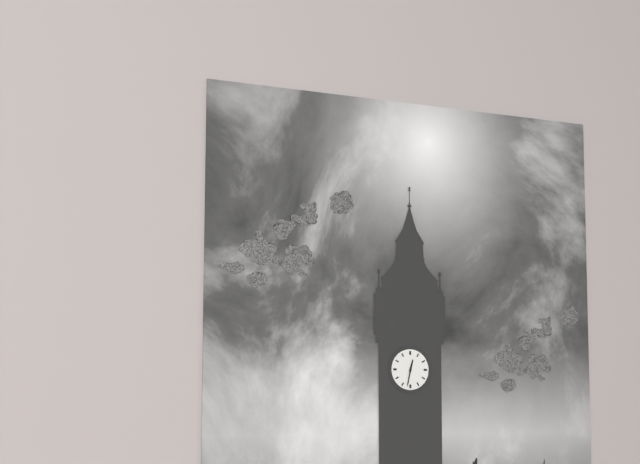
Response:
h=12 m=32
